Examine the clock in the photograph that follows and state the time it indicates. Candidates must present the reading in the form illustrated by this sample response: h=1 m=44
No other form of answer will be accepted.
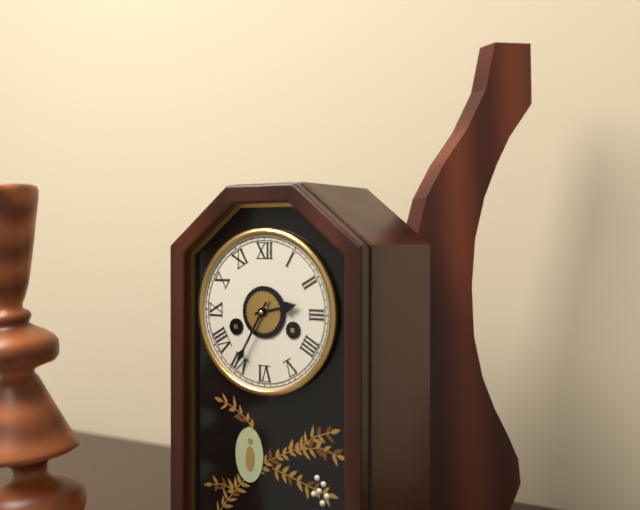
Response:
h=2 m=35
